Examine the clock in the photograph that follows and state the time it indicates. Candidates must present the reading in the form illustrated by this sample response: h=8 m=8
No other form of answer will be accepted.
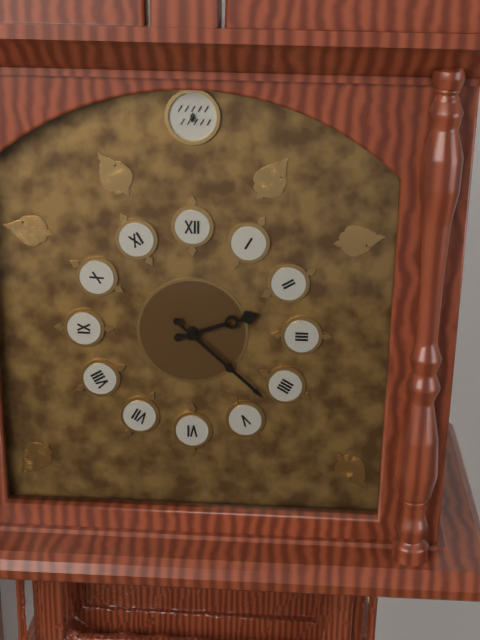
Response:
h=2 m=22
